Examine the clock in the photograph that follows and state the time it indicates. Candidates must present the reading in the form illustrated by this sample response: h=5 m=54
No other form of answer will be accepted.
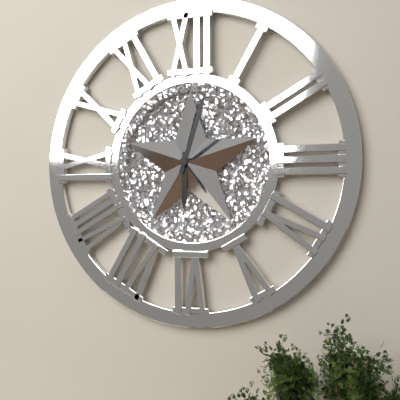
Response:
h=6 m=3
